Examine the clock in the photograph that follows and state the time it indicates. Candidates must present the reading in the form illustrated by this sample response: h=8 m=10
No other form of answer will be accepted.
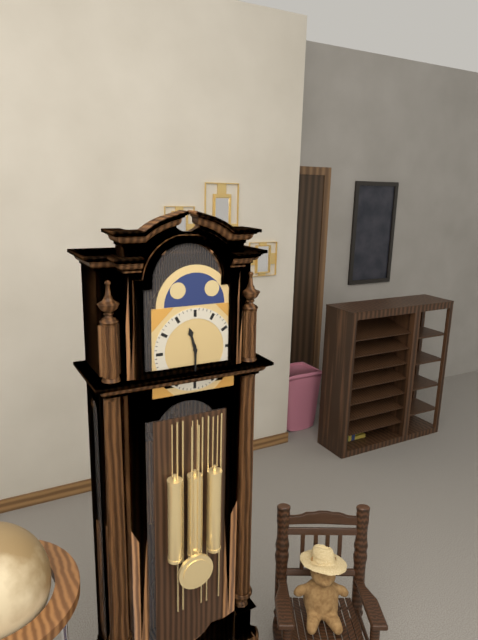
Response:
h=11 m=30
